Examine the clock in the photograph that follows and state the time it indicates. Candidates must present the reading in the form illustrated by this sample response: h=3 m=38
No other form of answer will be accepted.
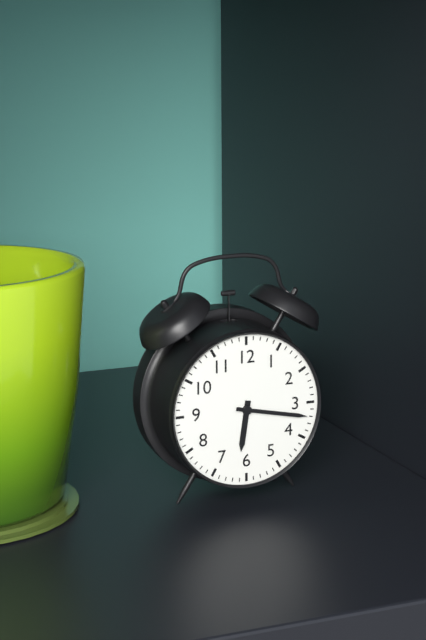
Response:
h=6 m=17
